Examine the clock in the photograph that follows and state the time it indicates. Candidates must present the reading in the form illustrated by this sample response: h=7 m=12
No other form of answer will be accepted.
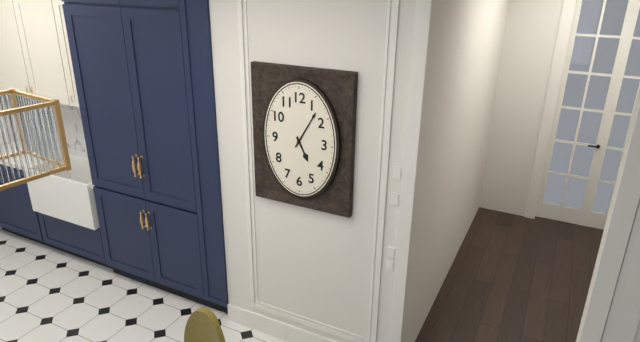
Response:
h=5 m=5
